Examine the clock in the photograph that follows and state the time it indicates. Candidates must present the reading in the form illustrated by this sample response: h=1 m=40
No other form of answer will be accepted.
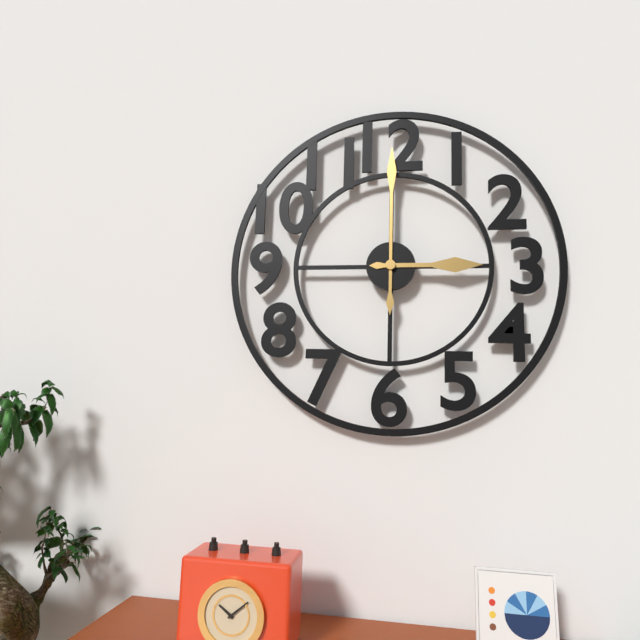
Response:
h=3 m=0
